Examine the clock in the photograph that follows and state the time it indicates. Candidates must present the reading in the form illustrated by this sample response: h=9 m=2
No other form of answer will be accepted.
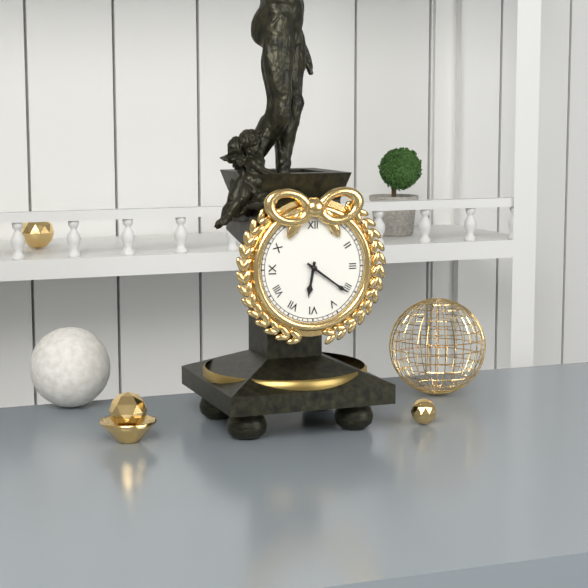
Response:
h=6 m=21
